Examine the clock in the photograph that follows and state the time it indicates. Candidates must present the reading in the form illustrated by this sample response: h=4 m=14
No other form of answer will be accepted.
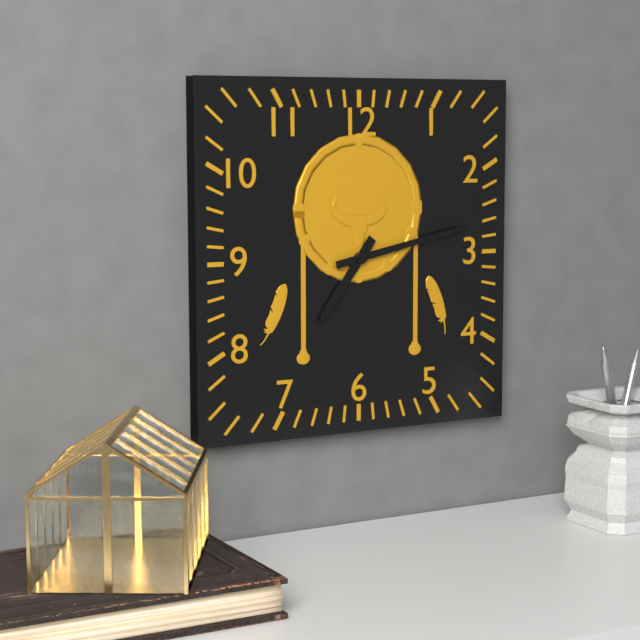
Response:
h=7 m=13
